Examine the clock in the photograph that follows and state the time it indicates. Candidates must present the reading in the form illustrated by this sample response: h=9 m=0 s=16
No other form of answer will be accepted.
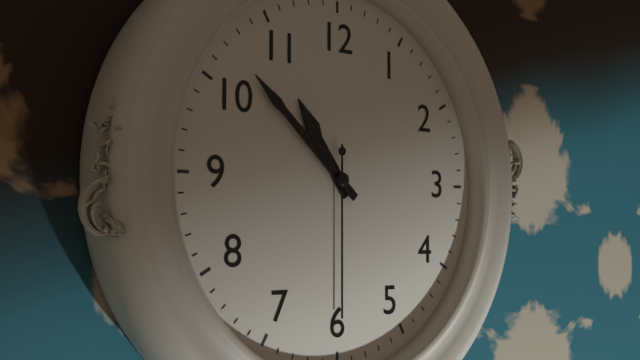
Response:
h=10 m=52 s=30
